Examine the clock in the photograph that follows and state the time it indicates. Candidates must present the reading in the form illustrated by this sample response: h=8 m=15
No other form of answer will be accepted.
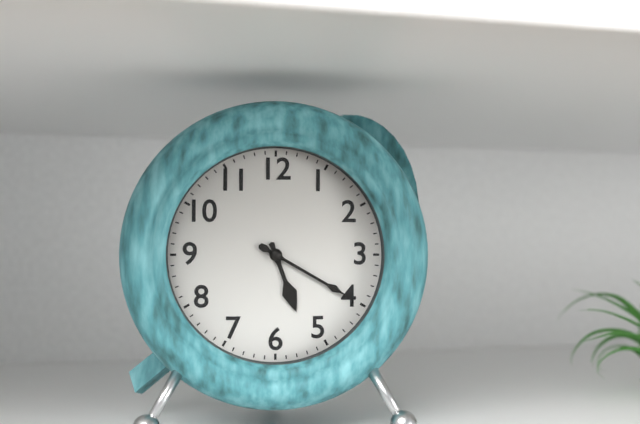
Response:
h=5 m=20
